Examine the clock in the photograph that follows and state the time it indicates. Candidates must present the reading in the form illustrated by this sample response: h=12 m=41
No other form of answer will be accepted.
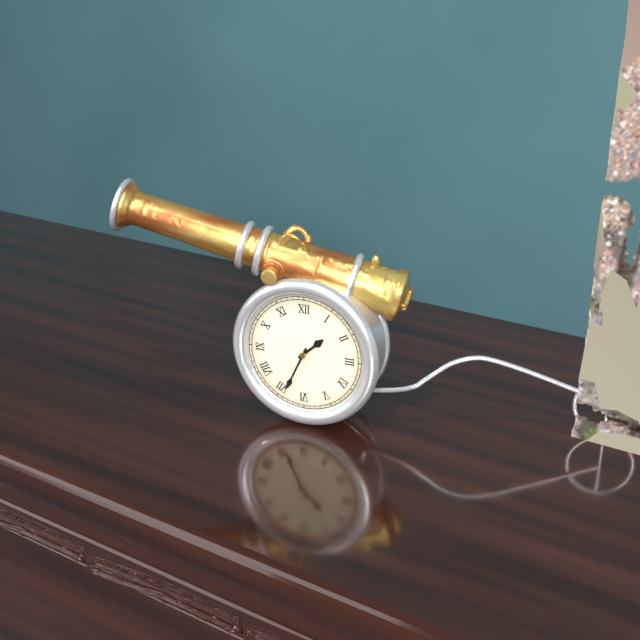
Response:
h=1 m=34
